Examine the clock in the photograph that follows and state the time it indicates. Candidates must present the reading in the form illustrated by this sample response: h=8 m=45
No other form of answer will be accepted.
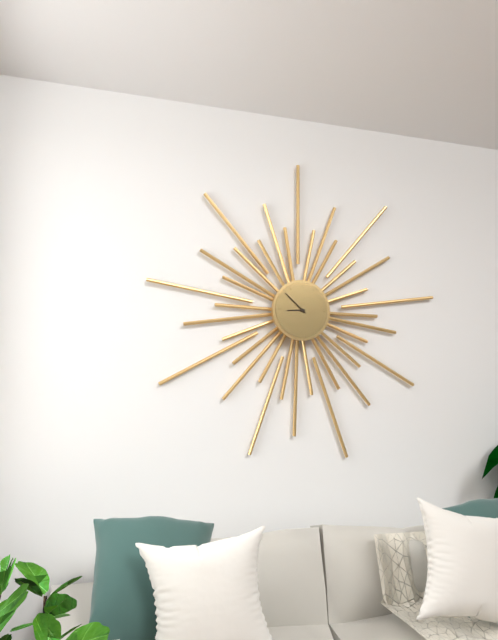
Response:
h=8 m=52
